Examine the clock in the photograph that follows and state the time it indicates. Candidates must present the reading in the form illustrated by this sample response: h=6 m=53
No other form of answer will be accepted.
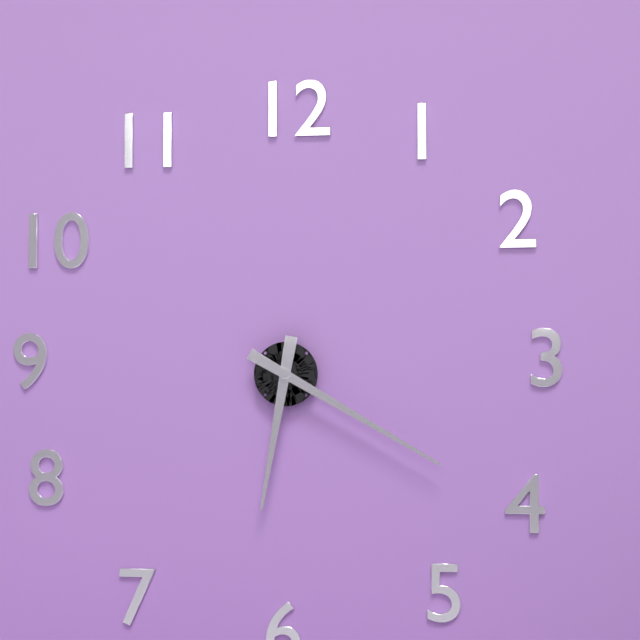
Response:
h=6 m=20
